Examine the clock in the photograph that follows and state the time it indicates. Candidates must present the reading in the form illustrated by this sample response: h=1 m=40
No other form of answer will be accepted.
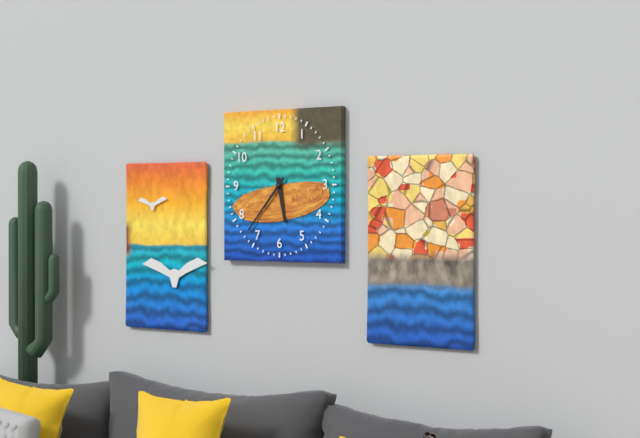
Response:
h=5 m=37
